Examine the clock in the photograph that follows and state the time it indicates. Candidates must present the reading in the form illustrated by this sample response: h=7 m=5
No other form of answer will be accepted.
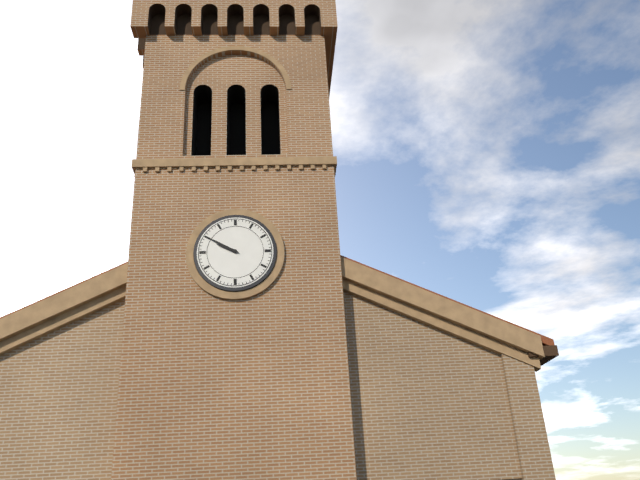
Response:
h=9 m=50
